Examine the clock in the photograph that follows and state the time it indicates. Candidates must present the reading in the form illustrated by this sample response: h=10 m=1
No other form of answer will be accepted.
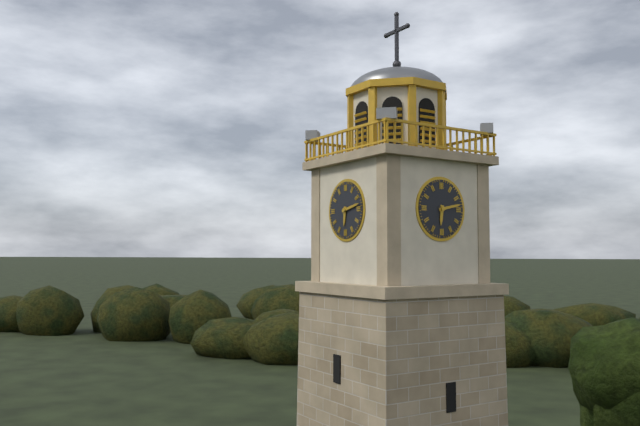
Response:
h=6 m=13
